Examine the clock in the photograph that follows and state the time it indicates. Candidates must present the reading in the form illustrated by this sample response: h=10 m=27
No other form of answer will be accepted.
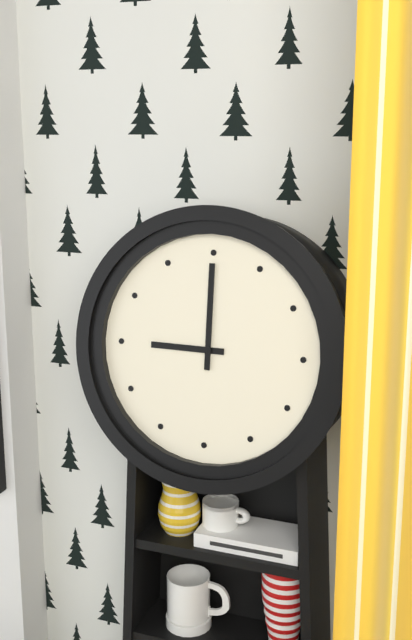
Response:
h=9 m=0
